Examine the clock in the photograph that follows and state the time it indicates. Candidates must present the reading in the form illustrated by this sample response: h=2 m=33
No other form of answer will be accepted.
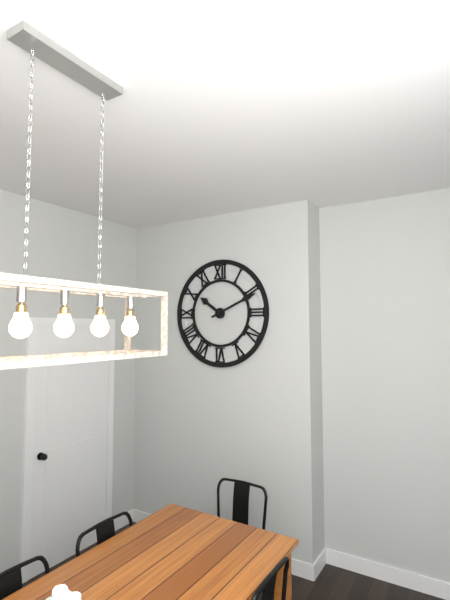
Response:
h=10 m=11
